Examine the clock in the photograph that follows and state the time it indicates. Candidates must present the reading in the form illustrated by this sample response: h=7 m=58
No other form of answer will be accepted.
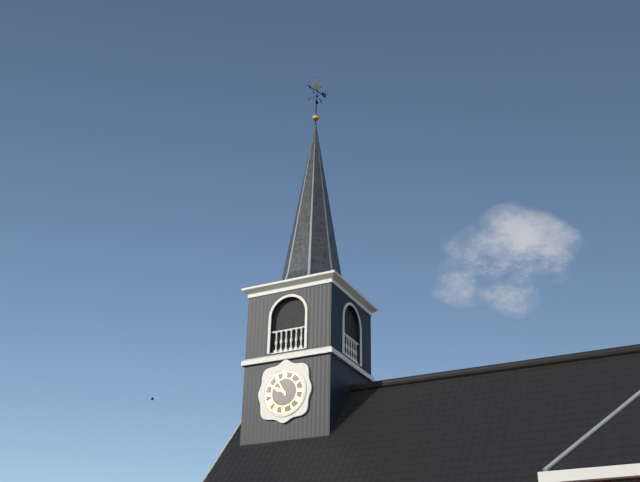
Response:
h=9 m=55
